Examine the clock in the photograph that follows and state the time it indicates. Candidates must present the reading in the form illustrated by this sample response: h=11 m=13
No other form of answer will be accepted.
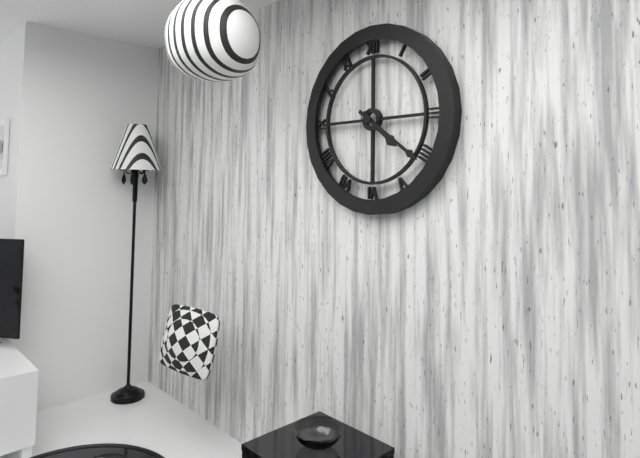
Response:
h=4 m=21
